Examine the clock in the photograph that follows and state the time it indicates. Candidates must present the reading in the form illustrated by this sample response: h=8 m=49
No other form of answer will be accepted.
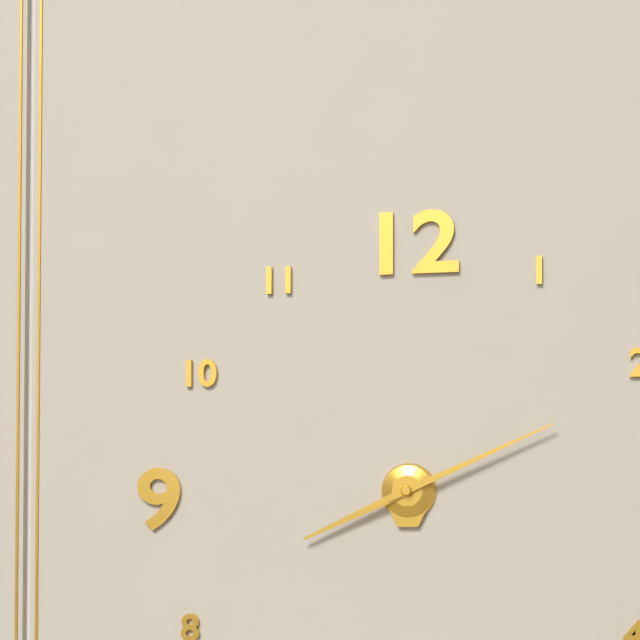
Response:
h=8 m=11
